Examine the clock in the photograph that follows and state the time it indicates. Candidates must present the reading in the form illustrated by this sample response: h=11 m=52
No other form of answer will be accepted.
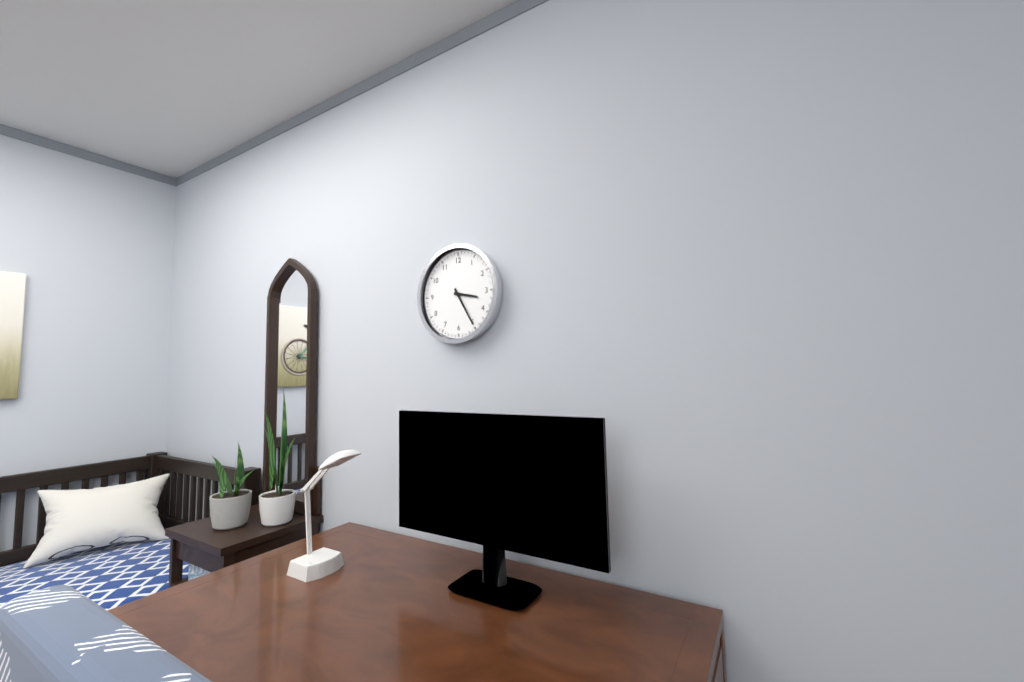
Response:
h=3 m=25
